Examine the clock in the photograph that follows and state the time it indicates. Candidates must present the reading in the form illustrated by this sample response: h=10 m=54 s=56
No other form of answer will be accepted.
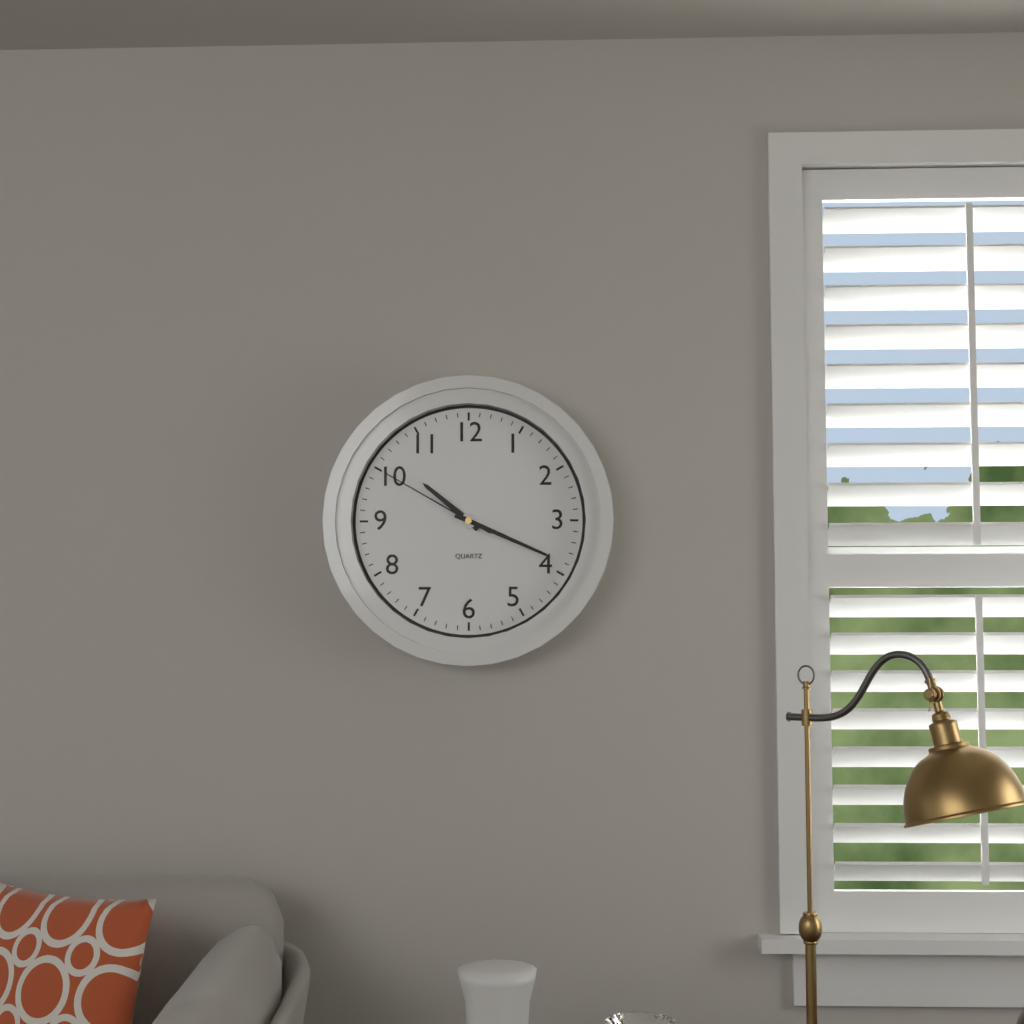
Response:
h=10 m=19 s=50
